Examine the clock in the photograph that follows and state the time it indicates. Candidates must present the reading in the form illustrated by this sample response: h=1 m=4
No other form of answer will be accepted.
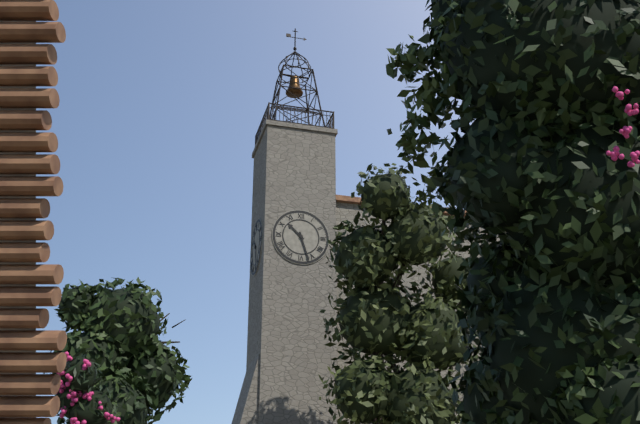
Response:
h=10 m=27
